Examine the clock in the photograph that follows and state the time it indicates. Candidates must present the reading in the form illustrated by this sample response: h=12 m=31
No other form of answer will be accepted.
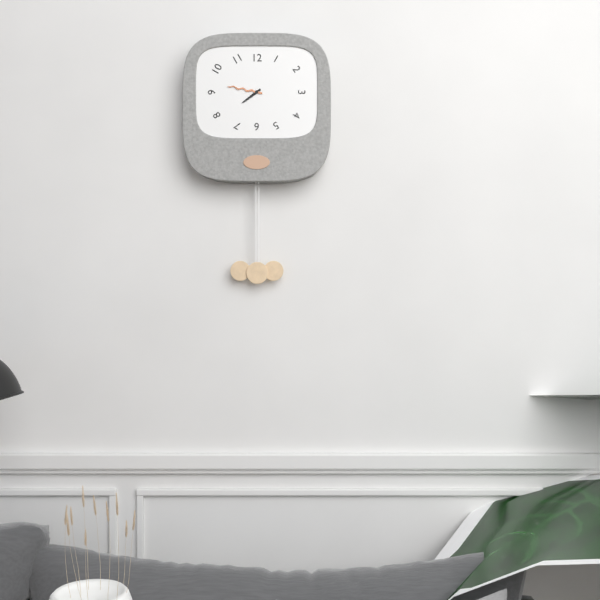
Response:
h=7 m=47
